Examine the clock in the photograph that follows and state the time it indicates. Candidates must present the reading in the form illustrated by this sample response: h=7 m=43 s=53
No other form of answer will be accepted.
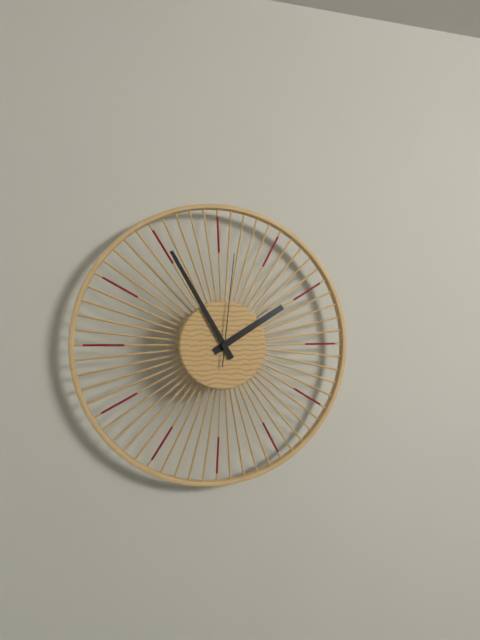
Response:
h=1 m=55 s=1
